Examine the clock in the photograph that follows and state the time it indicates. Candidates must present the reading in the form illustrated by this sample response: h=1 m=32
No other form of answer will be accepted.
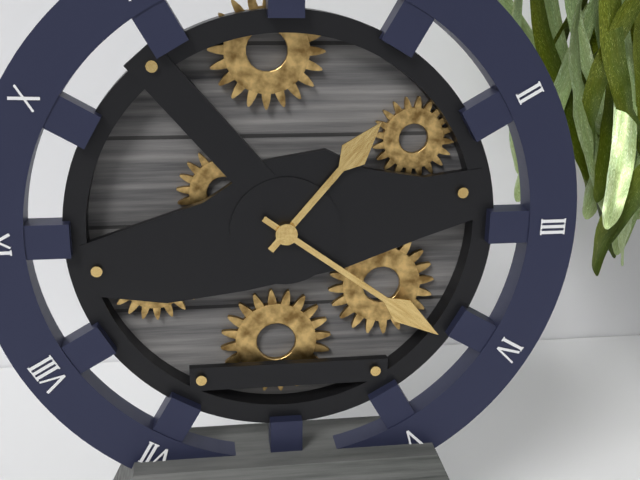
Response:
h=1 m=21
